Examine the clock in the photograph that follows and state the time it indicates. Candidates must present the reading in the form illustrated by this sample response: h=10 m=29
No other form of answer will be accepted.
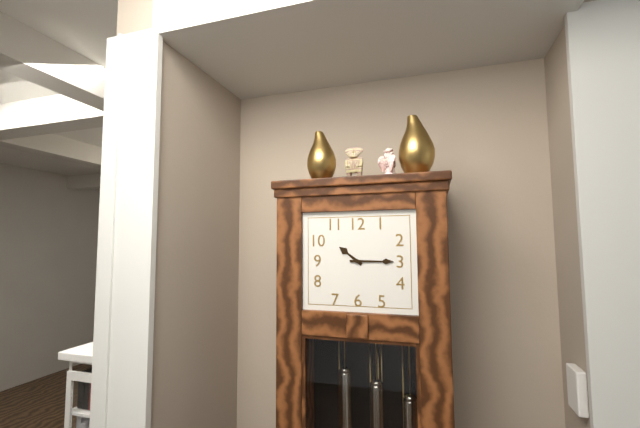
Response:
h=10 m=15
